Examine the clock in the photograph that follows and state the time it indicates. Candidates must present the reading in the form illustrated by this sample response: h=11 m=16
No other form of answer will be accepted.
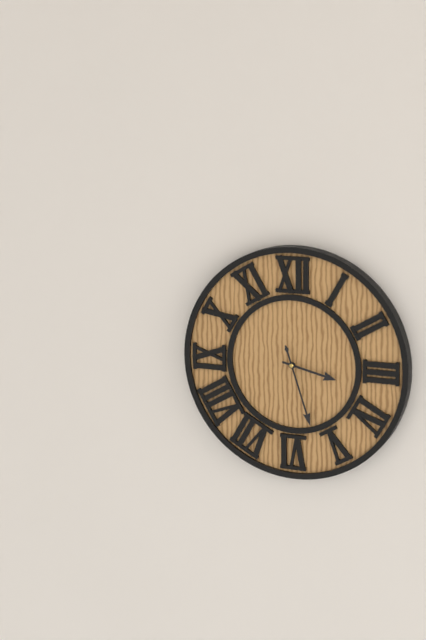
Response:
h=3 m=27
